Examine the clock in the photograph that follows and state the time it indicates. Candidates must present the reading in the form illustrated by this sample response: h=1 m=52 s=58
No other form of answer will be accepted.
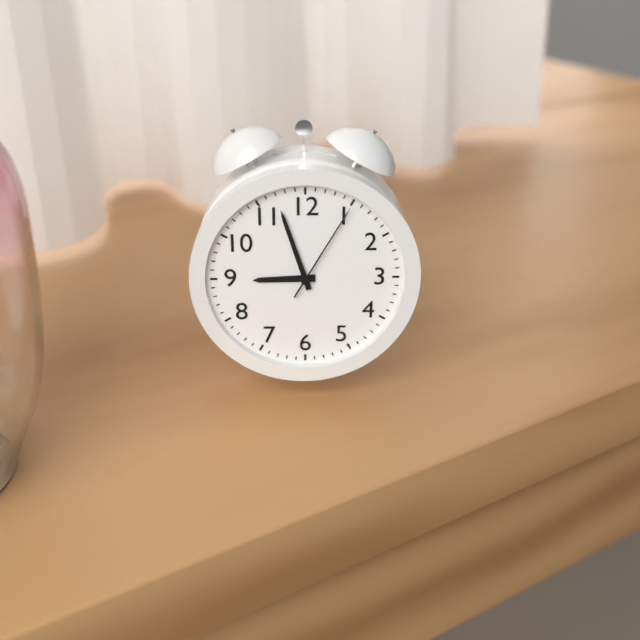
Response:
h=8 m=57 s=5
